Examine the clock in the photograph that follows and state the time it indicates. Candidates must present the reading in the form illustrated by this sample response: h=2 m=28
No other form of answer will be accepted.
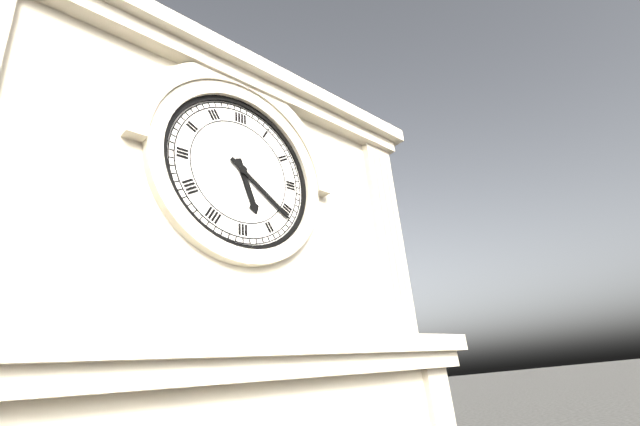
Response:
h=5 m=21
